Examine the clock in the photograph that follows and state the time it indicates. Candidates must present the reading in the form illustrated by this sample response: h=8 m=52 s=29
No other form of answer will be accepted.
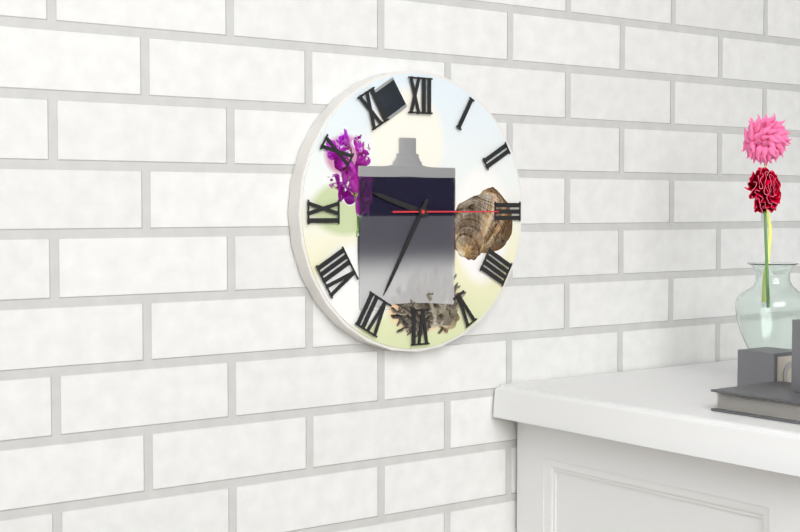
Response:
h=9 m=35 s=15
